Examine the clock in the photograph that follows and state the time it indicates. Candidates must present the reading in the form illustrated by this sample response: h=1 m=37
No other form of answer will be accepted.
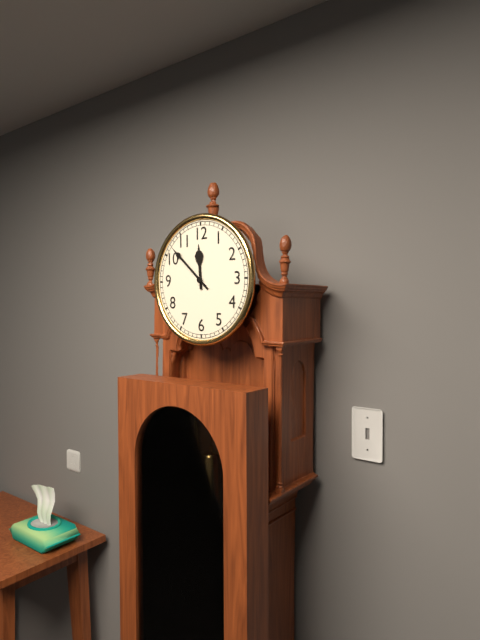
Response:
h=11 m=52
